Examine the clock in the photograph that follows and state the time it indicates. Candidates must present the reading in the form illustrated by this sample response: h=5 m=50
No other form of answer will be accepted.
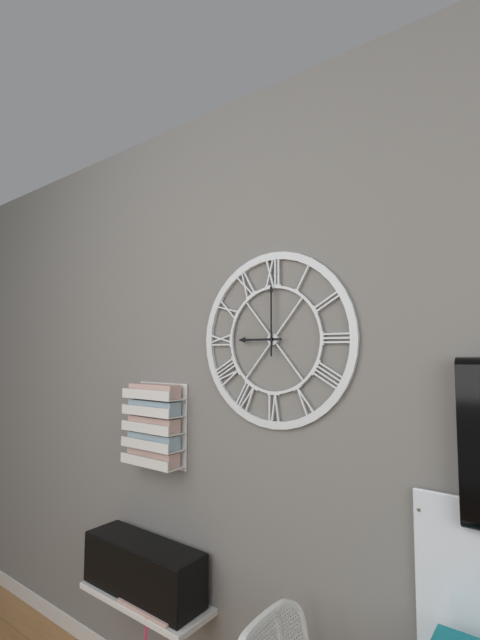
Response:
h=9 m=0
